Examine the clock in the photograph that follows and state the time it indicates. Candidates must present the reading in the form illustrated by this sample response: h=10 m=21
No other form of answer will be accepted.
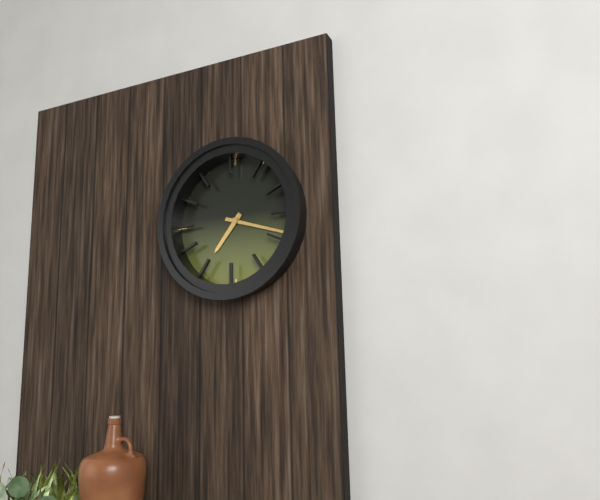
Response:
h=7 m=18
